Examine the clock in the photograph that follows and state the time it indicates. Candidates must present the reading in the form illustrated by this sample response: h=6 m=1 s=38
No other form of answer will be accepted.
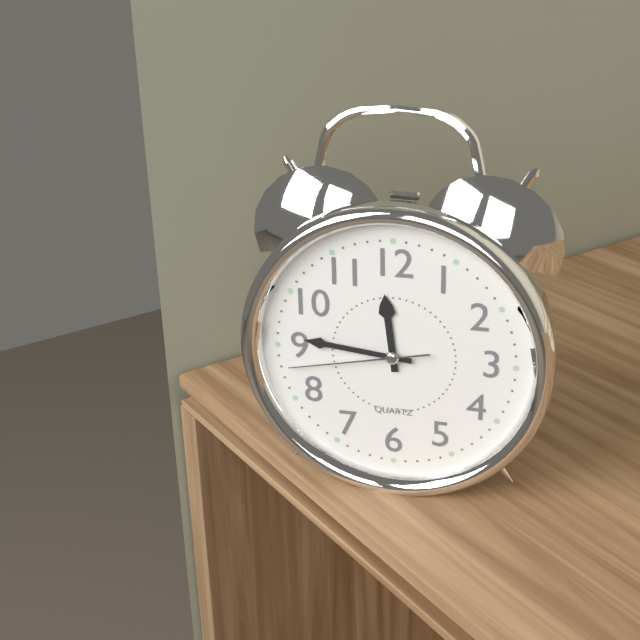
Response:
h=11 m=46 s=43
